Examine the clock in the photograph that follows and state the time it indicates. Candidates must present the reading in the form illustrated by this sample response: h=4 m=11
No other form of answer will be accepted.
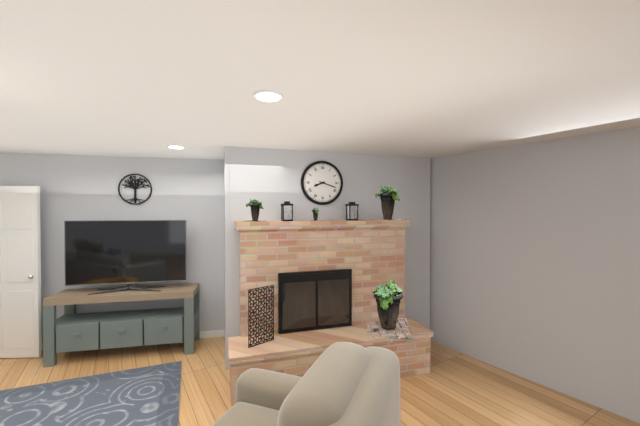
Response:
h=8 m=18
